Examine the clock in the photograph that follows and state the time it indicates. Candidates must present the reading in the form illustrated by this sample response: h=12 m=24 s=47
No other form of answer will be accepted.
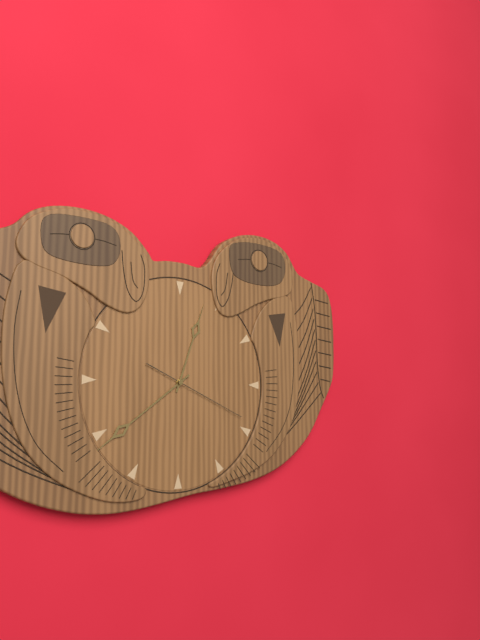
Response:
h=12 m=39 s=19
